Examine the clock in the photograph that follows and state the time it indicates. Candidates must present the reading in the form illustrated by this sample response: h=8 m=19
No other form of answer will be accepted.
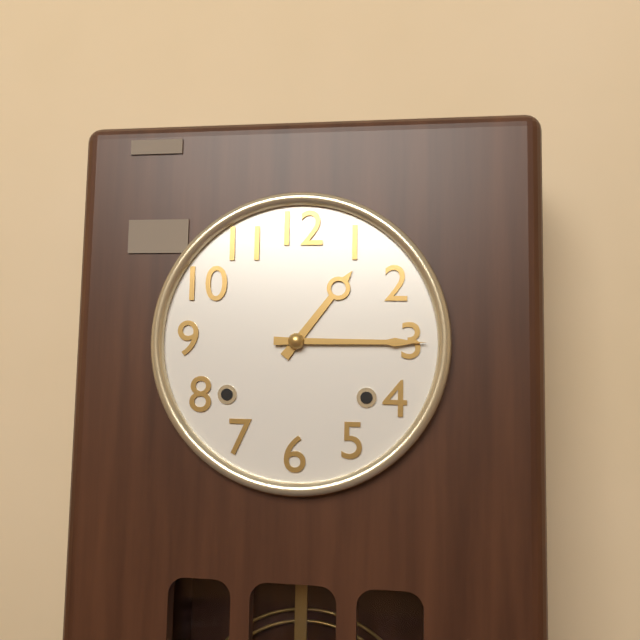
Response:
h=1 m=15
